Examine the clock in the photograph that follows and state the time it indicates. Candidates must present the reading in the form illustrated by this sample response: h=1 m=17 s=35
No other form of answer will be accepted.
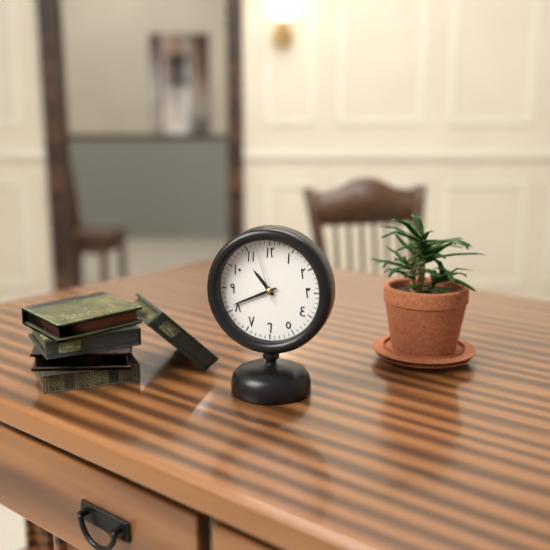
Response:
h=10 m=41 s=57
